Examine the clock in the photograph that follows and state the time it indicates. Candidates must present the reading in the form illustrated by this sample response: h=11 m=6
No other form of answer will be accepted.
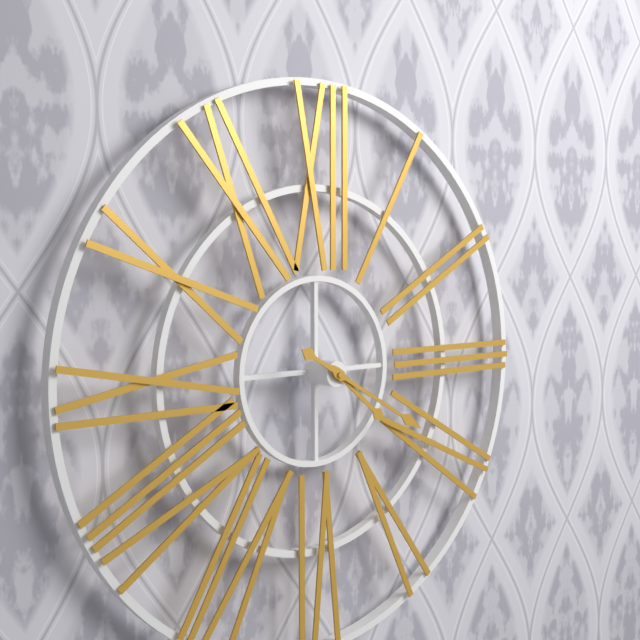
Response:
h=4 m=20
